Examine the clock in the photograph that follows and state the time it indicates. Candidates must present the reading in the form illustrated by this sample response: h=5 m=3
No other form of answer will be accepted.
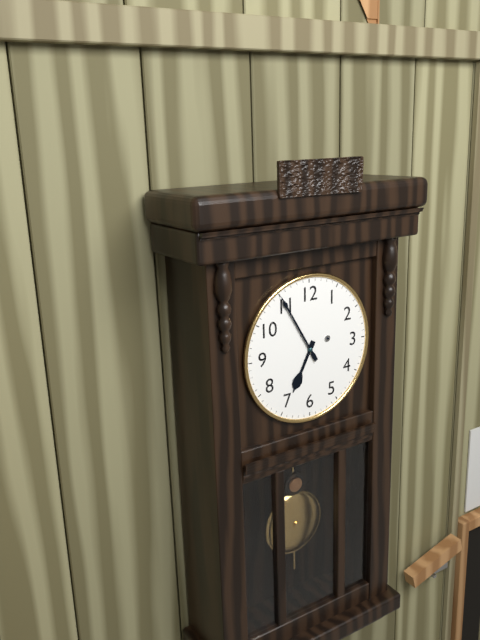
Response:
h=6 m=55
